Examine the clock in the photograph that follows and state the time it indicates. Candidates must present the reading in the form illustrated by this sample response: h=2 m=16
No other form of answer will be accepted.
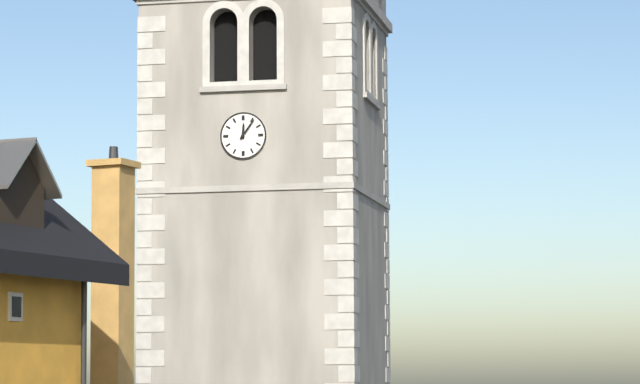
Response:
h=12 m=6
